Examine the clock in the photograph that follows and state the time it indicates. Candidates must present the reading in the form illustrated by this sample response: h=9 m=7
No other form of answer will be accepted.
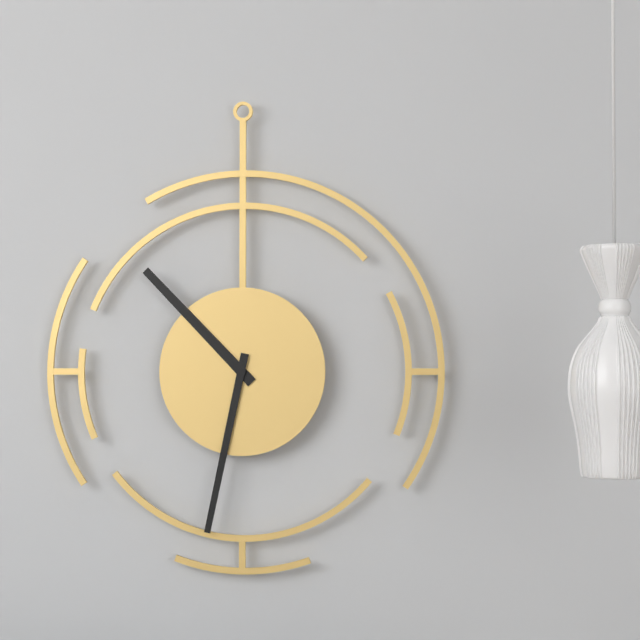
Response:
h=10 m=32
